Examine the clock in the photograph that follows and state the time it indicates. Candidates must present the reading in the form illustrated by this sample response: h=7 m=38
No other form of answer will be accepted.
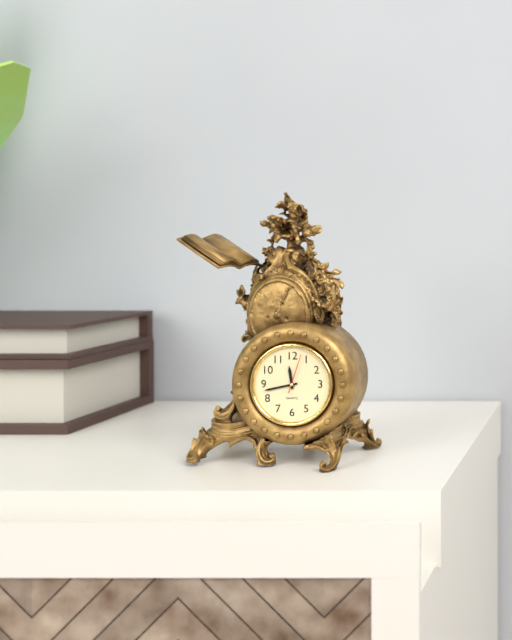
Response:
h=11 m=43
